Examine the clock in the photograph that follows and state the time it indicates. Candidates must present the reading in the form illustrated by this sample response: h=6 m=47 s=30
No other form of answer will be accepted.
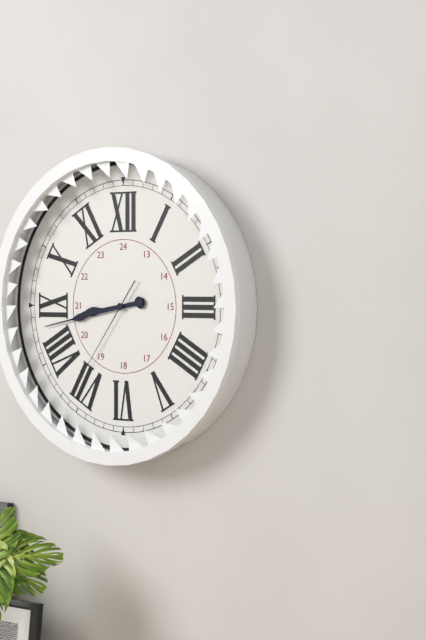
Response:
h=8 m=43 s=36
